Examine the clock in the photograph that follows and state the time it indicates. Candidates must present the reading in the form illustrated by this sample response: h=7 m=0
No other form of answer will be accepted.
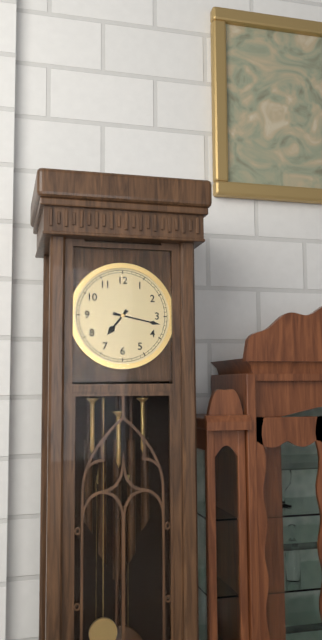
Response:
h=7 m=17
